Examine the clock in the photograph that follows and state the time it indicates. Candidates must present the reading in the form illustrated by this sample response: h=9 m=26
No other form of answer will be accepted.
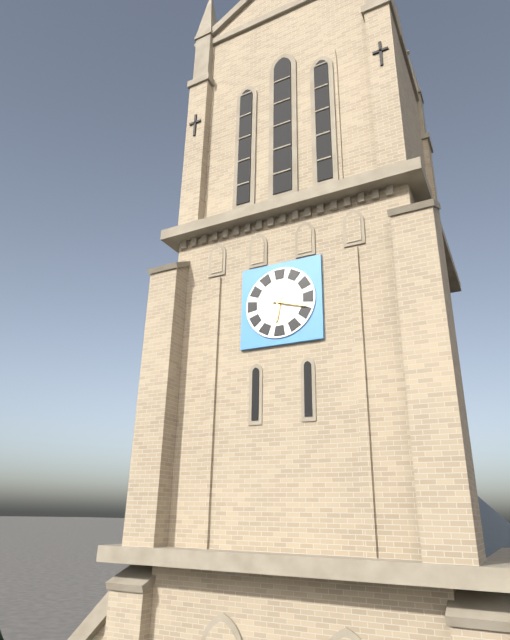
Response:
h=6 m=18
